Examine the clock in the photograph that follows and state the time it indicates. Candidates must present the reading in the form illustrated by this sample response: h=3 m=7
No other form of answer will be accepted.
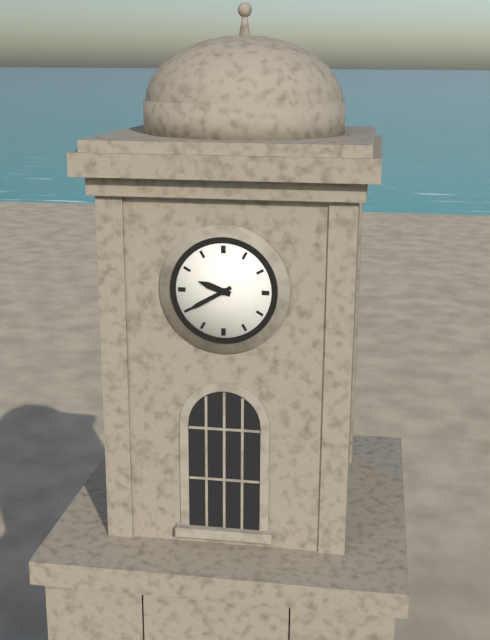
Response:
h=9 m=40
